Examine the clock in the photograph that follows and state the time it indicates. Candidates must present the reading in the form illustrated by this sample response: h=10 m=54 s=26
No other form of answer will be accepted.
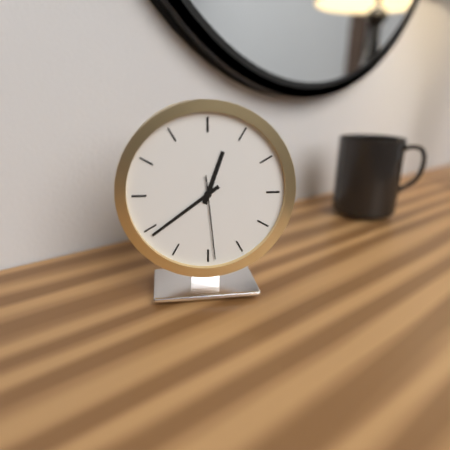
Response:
h=12 m=39 s=29
